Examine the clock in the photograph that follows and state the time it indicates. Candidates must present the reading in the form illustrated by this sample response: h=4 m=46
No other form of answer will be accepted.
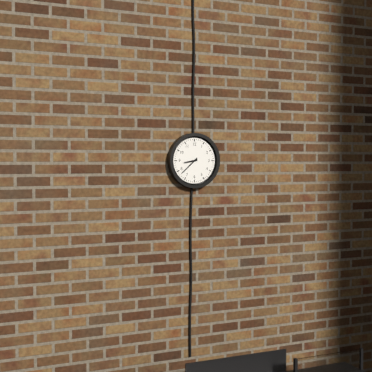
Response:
h=8 m=38
